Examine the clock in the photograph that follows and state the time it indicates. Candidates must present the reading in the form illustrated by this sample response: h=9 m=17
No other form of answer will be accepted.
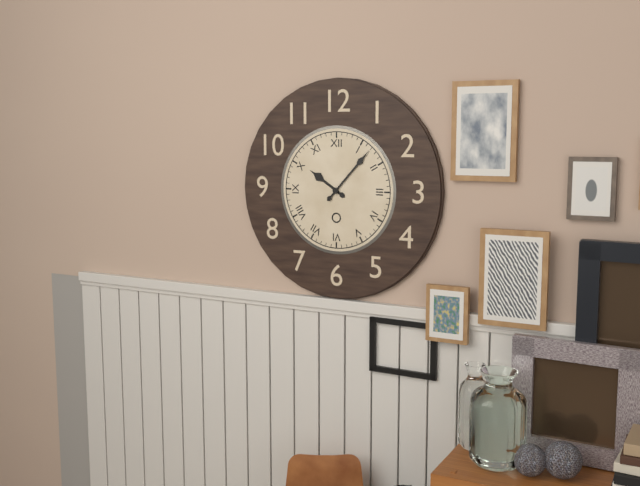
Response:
h=10 m=7
